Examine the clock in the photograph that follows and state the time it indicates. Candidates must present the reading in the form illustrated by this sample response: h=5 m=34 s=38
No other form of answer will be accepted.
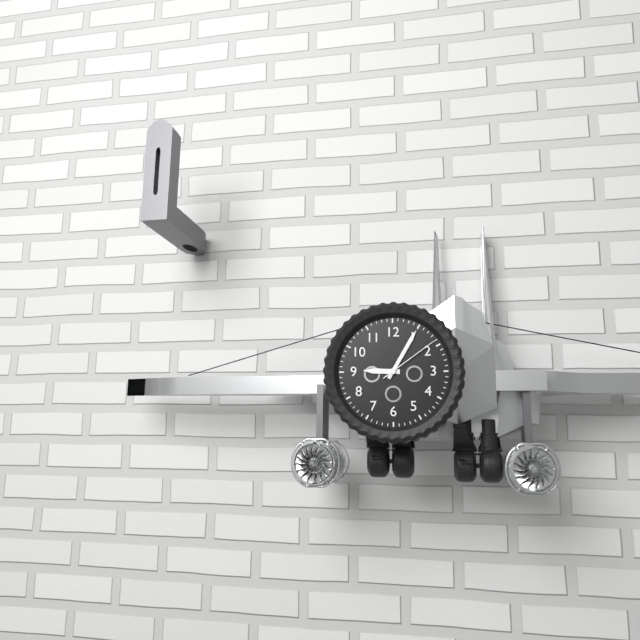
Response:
h=9 m=5 s=9
